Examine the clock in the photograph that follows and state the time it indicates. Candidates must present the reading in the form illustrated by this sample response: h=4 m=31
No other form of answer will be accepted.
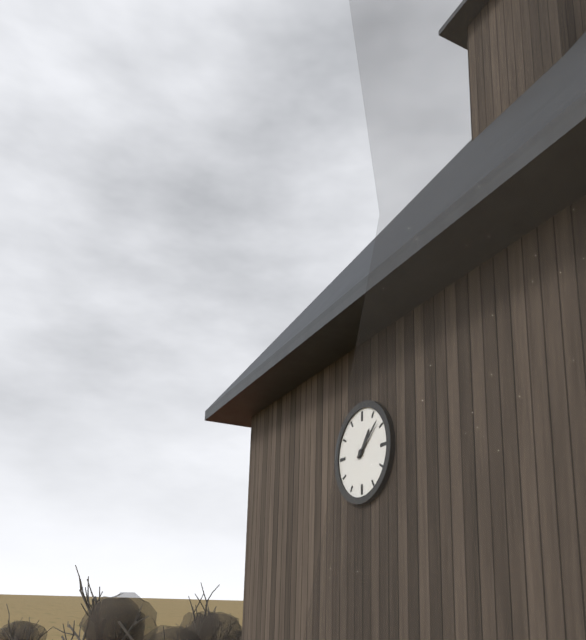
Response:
h=1 m=8
